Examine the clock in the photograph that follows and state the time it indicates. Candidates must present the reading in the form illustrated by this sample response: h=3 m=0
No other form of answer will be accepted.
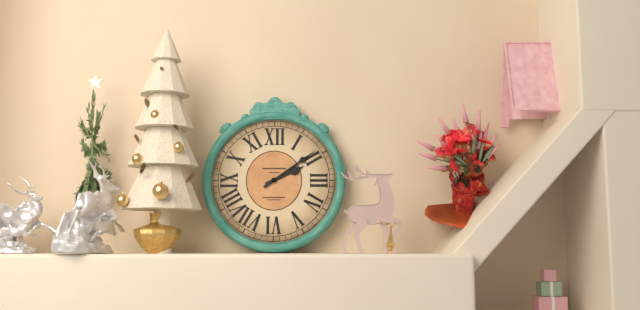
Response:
h=2 m=9
